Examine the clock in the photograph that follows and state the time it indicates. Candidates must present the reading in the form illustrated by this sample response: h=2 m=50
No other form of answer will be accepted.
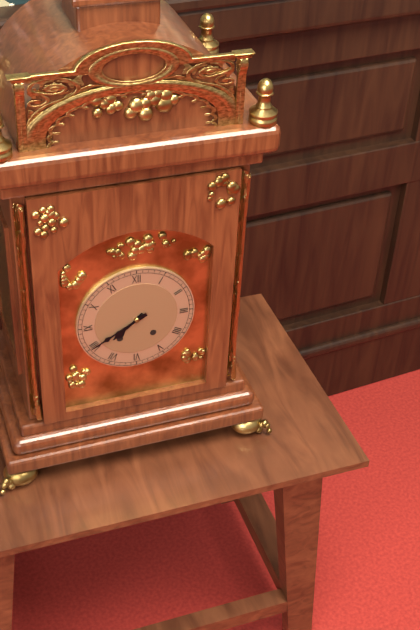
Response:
h=7 m=40
